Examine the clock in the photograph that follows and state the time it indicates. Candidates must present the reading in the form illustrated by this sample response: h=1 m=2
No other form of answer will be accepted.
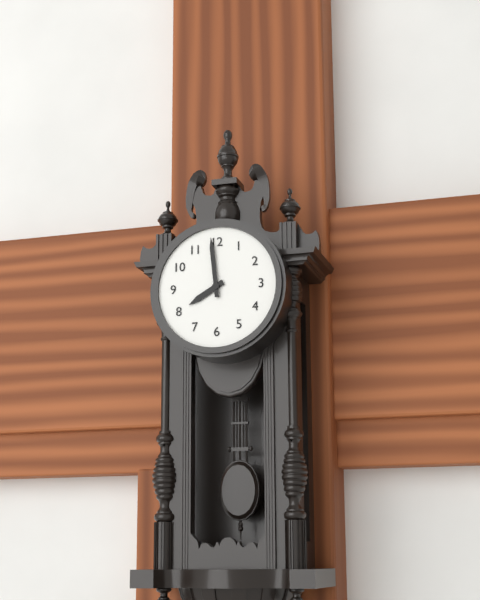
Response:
h=7 m=59
